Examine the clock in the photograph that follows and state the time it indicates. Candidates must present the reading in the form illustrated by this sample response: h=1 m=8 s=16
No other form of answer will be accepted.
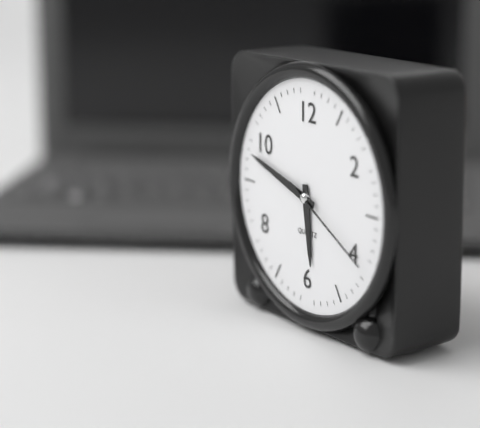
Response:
h=5 m=48 s=20
